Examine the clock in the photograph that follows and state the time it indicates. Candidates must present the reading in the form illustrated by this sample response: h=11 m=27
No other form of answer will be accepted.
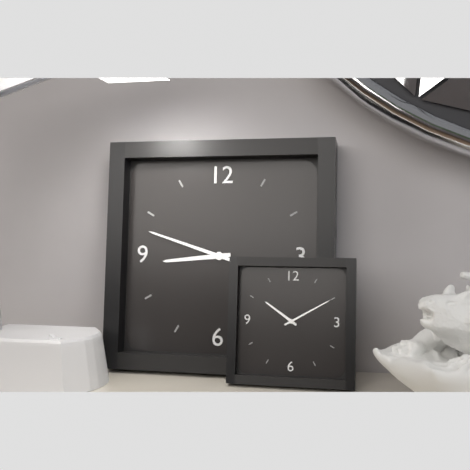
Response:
h=8 m=48
